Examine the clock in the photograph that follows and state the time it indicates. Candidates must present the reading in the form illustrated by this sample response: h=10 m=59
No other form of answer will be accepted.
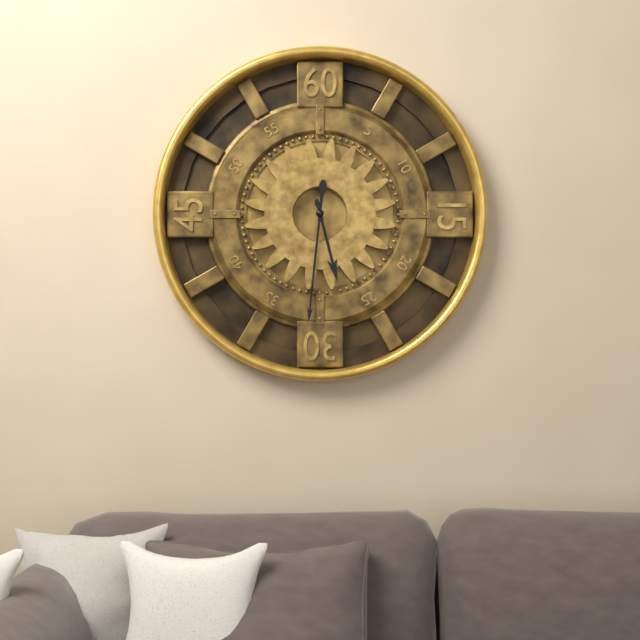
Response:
h=5 m=31
